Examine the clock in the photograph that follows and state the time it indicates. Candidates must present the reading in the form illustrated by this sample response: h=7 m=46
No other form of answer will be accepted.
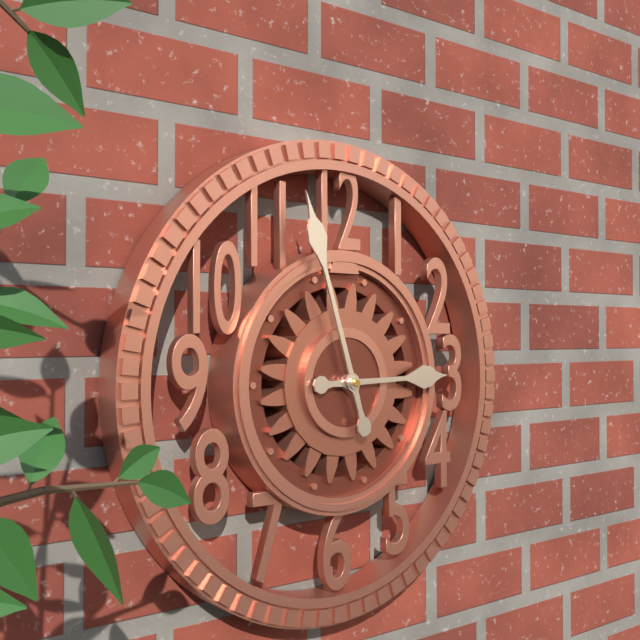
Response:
h=2 m=57
